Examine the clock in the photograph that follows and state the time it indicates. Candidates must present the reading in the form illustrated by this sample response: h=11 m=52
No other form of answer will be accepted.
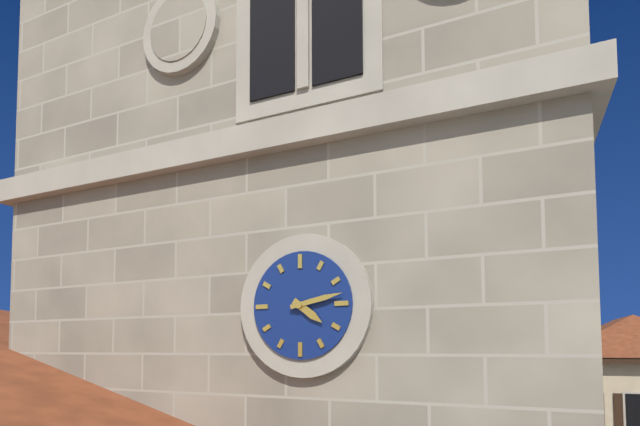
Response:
h=4 m=13
